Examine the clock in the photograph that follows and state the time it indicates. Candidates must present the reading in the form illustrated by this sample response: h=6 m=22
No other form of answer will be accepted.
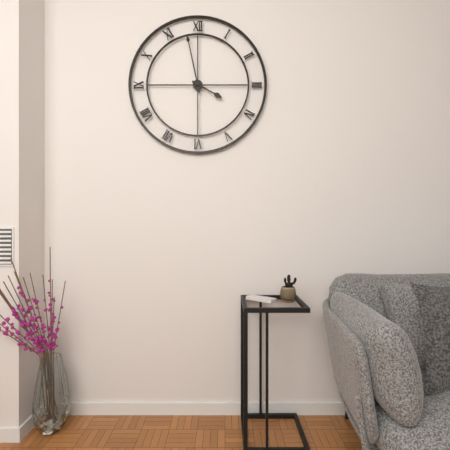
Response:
h=3 m=58
